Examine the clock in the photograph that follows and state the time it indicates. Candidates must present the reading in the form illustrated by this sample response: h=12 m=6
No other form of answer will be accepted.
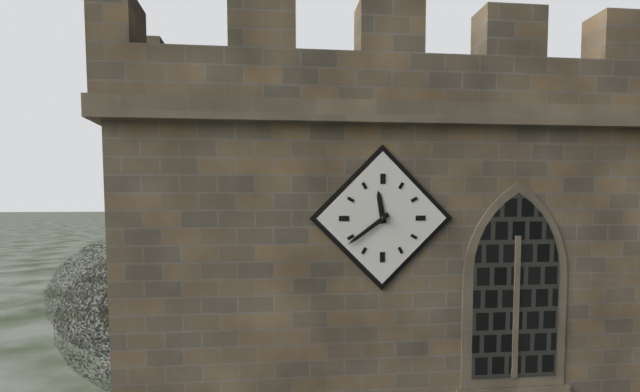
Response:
h=11 m=39
